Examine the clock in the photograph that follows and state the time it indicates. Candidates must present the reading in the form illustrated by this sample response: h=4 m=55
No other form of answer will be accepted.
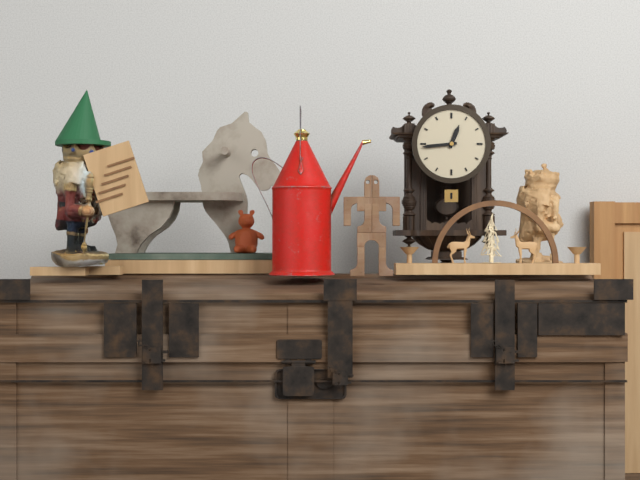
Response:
h=12 m=44
